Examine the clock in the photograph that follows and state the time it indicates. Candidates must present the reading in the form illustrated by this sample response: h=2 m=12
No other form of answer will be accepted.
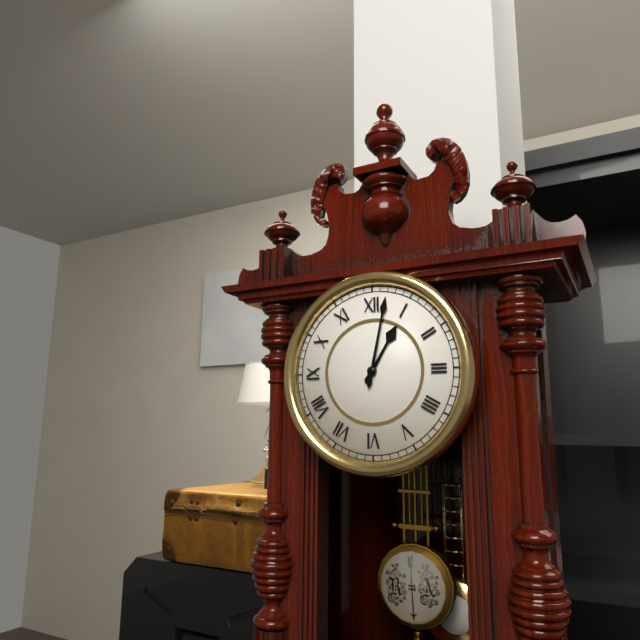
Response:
h=1 m=2
